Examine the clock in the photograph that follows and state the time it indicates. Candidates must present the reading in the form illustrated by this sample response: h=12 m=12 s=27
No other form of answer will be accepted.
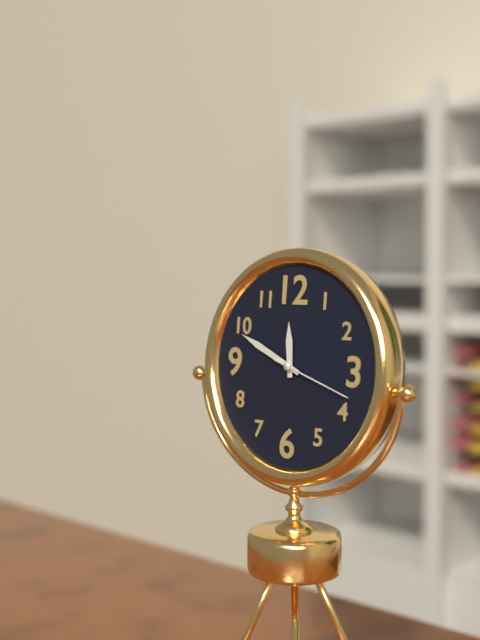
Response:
h=11 m=49 s=18
